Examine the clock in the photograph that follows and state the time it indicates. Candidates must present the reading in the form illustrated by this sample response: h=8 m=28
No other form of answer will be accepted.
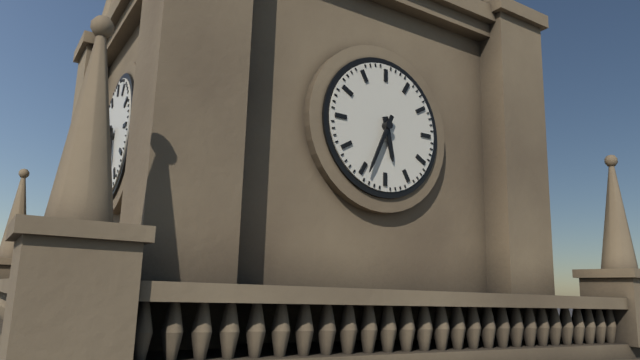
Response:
h=5 m=34
